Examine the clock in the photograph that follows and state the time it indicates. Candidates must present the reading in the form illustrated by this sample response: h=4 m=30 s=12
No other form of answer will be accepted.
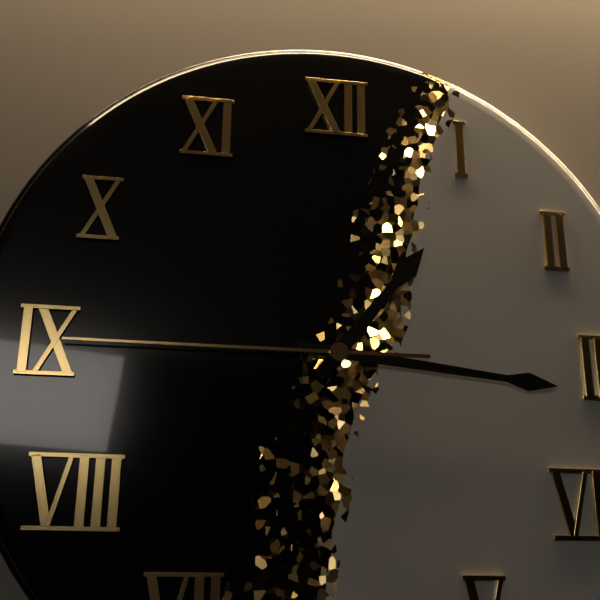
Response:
h=1 m=16 s=45
